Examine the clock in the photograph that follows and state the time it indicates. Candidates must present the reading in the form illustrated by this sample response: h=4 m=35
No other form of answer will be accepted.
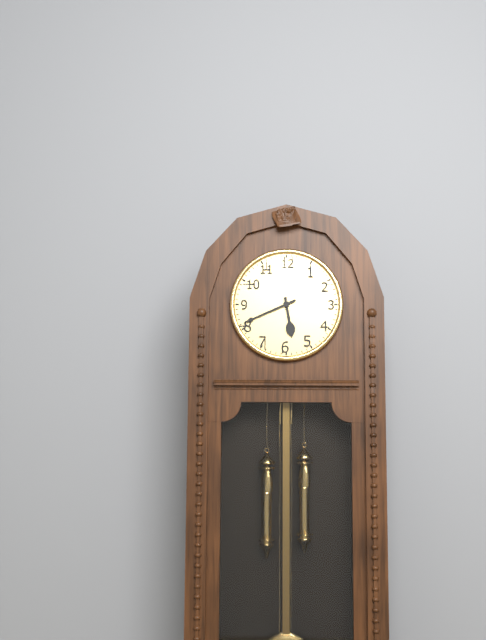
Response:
h=5 m=41
